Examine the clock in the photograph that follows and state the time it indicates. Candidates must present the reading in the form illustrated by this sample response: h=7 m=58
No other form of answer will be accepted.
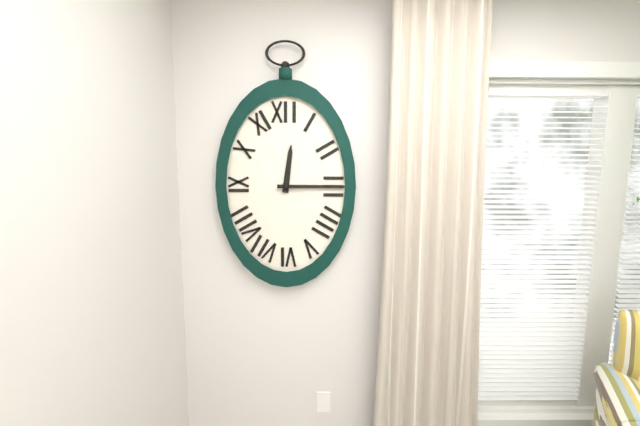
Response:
h=12 m=15
